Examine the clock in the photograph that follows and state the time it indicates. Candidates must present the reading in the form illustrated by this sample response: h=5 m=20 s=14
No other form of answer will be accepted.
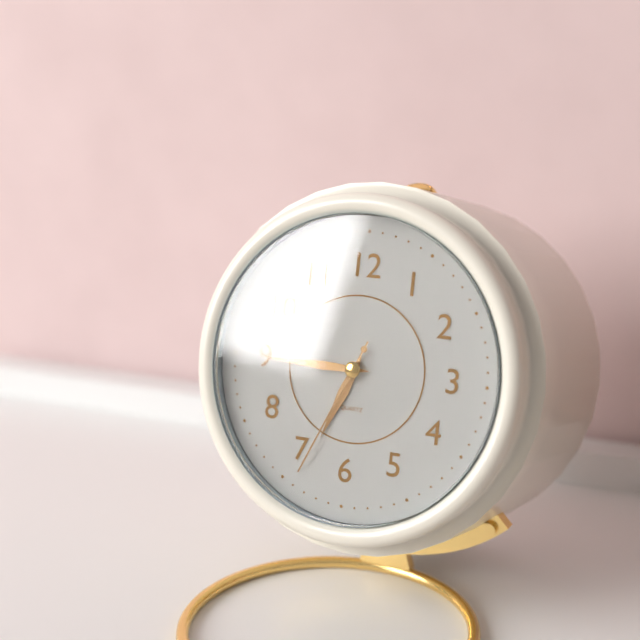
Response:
h=6 m=45 s=34
